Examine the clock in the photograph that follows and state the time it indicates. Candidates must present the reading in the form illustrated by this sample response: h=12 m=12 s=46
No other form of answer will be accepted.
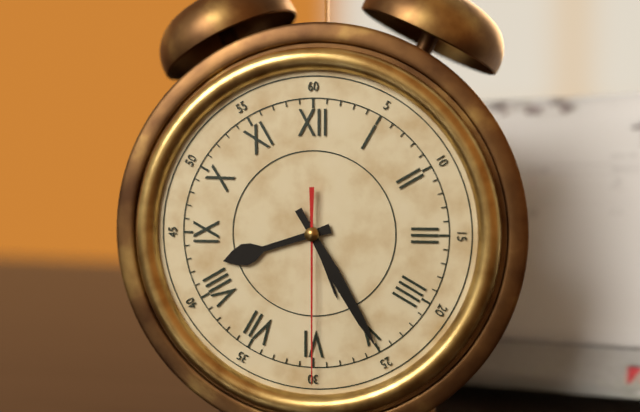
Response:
h=8 m=25 s=30
